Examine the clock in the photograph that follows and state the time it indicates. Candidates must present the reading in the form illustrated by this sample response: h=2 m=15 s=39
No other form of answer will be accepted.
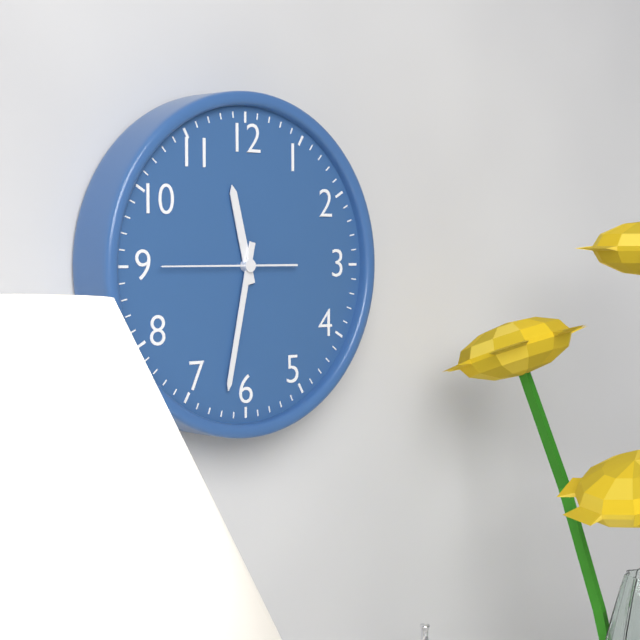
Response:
h=11 m=32 s=45
